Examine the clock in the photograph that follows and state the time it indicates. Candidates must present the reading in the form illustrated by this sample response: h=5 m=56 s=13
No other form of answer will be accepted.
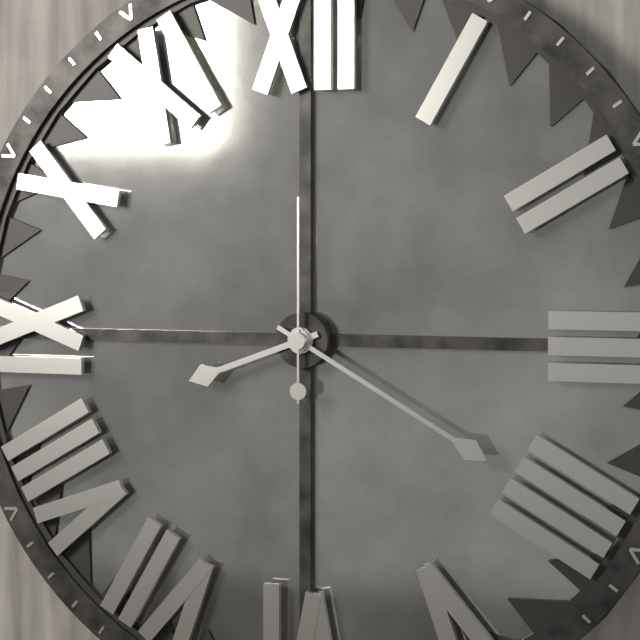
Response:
h=8 m=20 s=0
